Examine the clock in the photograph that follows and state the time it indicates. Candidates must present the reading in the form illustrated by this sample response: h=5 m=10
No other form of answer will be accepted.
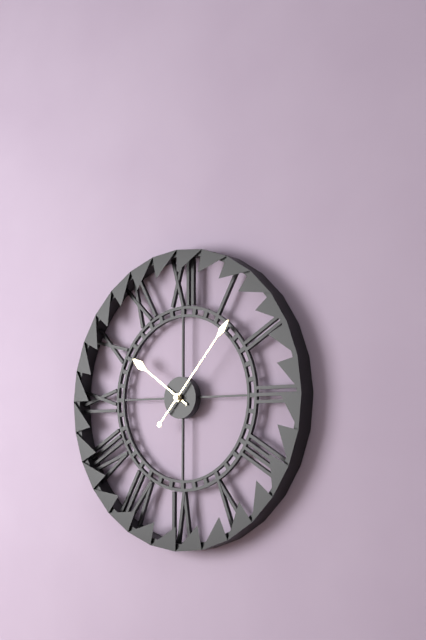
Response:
h=10 m=7
